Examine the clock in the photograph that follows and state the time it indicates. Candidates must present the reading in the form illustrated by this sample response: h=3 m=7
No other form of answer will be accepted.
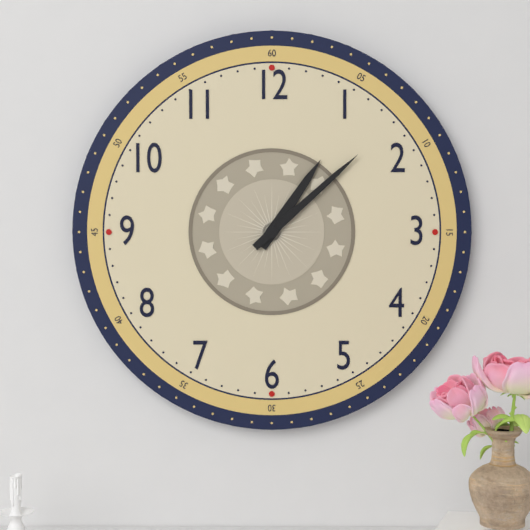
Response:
h=1 m=8
